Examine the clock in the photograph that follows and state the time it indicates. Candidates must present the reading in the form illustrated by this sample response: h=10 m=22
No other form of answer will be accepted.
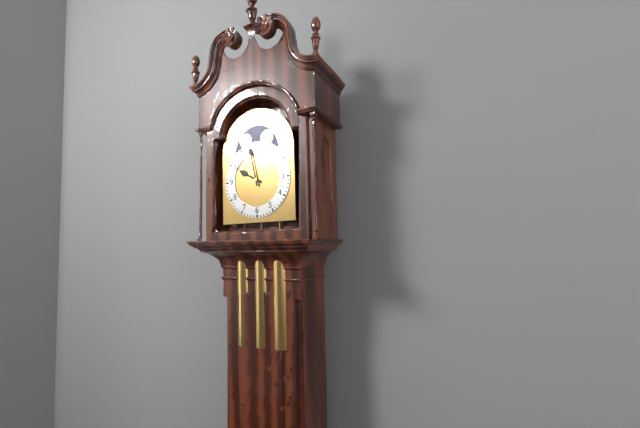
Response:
h=9 m=58
